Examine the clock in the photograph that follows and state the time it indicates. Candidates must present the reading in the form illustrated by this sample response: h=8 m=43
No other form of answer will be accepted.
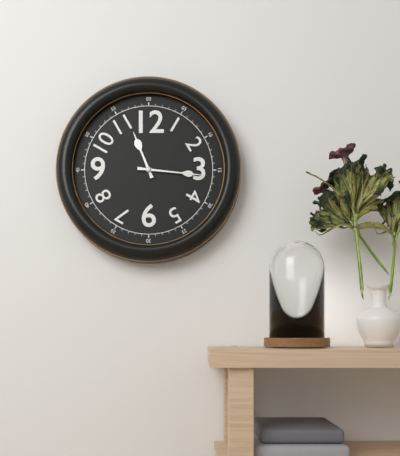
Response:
h=11 m=16
